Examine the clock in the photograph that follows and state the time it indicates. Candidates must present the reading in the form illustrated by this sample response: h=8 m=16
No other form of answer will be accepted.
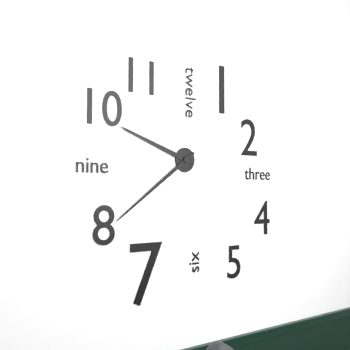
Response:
h=9 m=39
